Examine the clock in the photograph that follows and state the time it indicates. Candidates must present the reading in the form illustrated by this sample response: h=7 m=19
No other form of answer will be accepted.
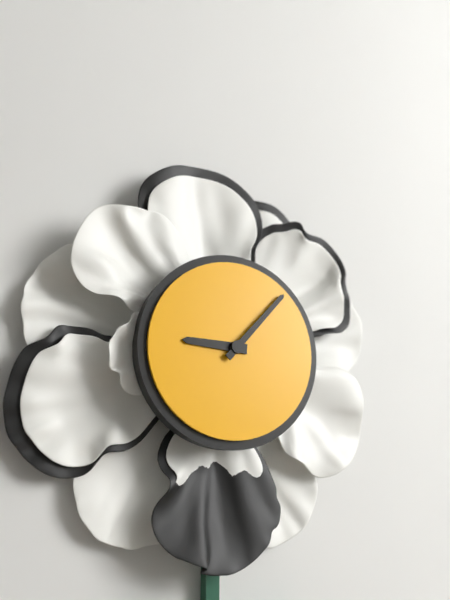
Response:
h=9 m=7
